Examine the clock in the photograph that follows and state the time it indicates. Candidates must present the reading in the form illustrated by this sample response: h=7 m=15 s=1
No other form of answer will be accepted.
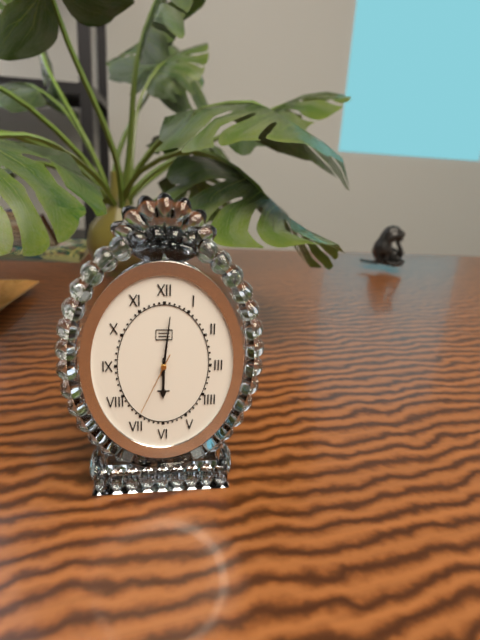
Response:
h=6 m=1 s=34
